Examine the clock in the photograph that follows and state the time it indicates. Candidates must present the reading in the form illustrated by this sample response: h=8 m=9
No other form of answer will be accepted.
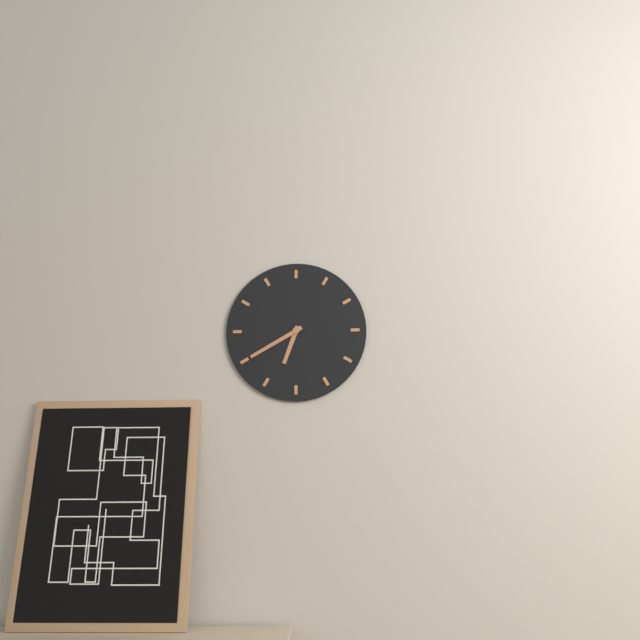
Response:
h=6 m=40
